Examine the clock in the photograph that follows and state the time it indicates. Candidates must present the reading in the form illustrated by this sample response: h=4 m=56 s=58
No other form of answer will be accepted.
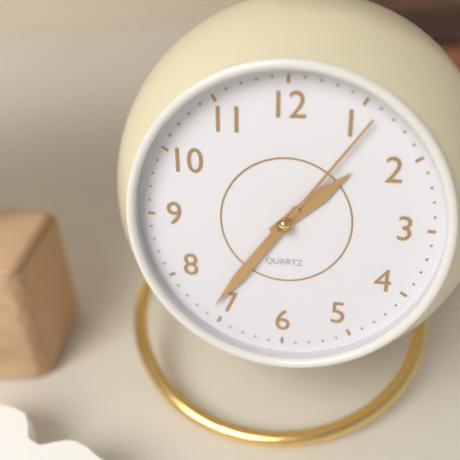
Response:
h=1 m=36 s=6
